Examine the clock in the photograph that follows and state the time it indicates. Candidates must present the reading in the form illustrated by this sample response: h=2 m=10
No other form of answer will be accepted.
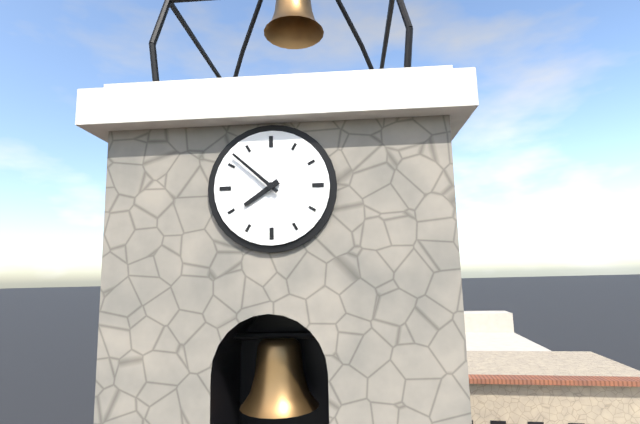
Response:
h=7 m=52
